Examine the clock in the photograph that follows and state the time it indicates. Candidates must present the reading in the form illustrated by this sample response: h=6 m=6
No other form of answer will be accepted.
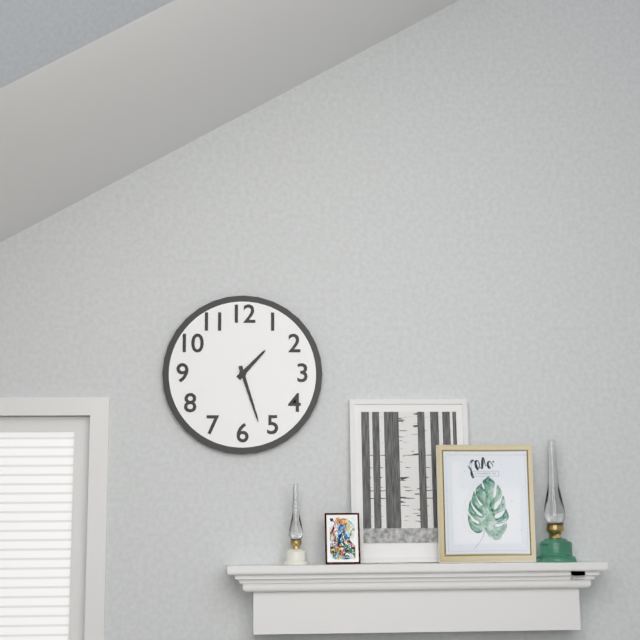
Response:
h=1 m=27
